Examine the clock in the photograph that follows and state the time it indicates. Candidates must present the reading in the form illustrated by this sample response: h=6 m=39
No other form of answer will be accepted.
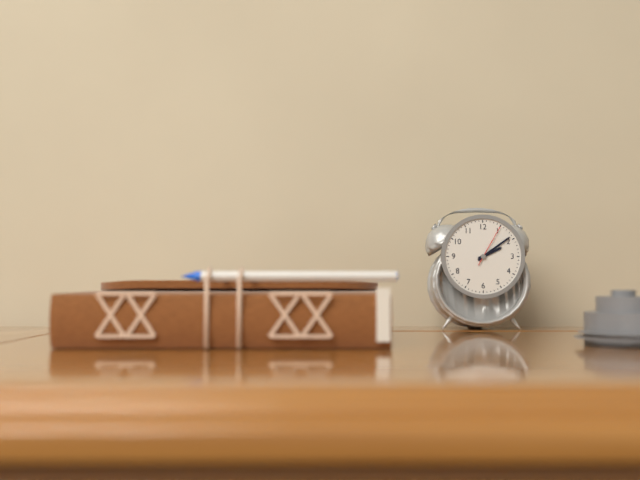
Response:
h=2 m=9
